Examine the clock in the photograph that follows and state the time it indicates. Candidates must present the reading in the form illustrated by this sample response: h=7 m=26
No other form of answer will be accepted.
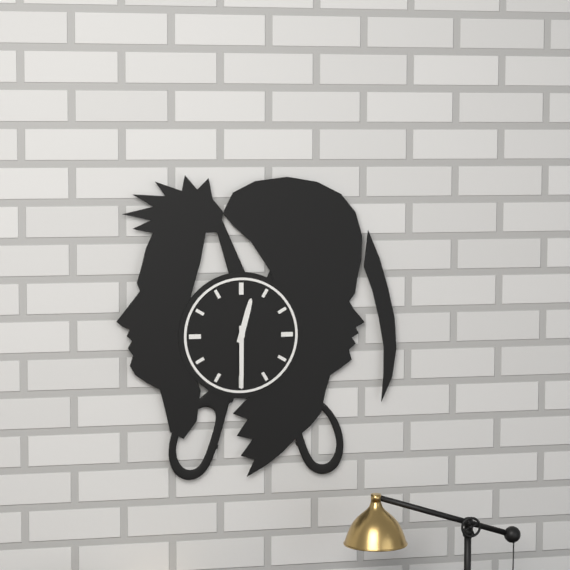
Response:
h=12 m=30
